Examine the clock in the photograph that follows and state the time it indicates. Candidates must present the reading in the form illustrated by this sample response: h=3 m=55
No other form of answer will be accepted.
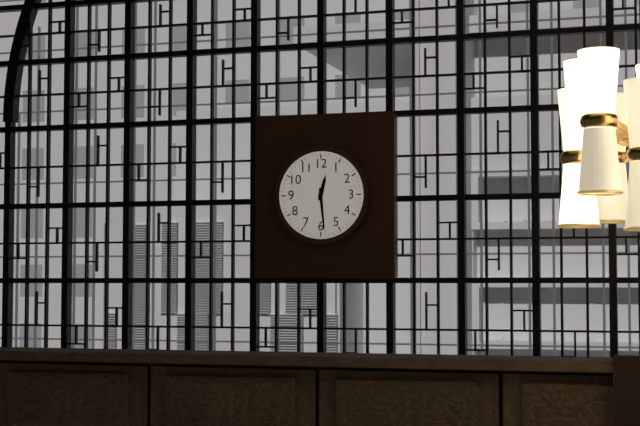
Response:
h=12 m=29
